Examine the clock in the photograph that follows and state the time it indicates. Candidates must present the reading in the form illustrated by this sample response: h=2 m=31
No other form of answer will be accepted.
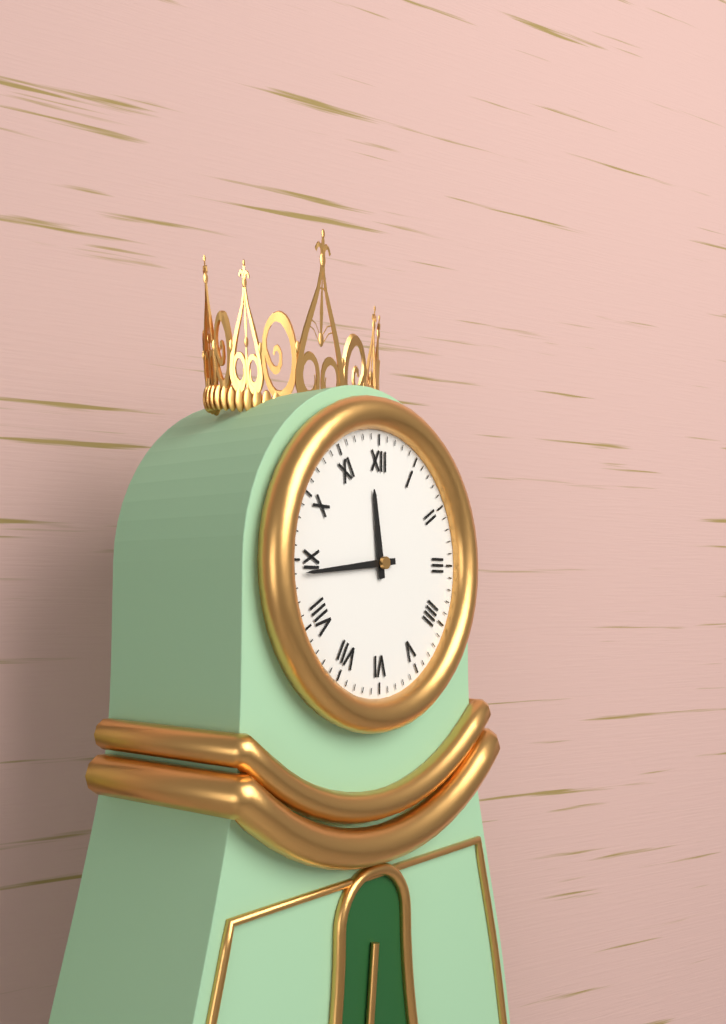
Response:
h=11 m=44
